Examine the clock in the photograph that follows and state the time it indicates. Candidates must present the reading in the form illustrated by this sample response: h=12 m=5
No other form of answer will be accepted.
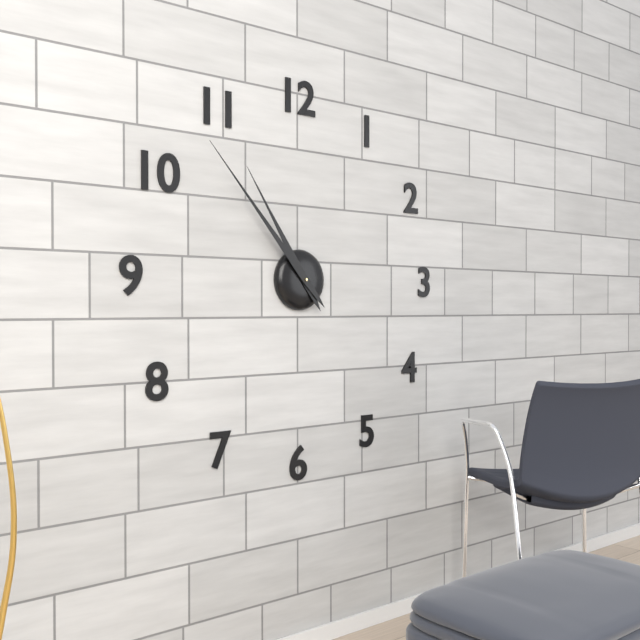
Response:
h=10 m=53
